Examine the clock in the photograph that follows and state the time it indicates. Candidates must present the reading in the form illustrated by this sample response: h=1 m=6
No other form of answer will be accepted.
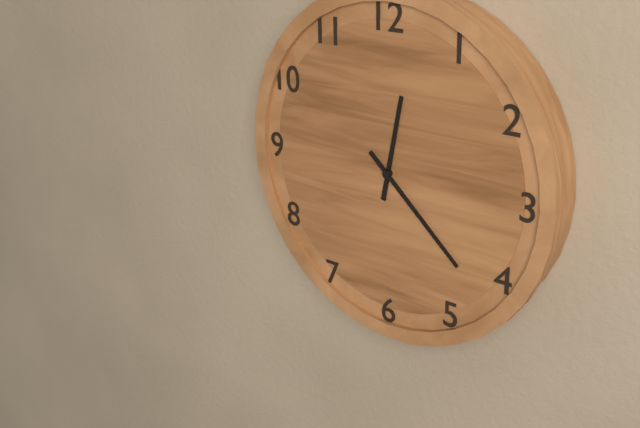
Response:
h=12 m=22
